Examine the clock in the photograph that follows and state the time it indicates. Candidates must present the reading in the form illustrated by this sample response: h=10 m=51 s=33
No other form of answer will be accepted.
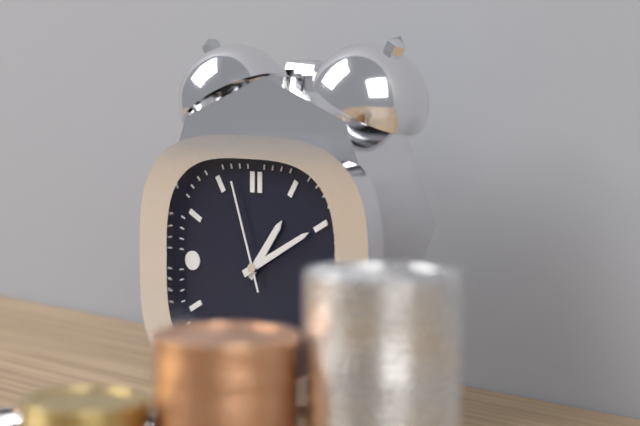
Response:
h=1 m=10 s=57
